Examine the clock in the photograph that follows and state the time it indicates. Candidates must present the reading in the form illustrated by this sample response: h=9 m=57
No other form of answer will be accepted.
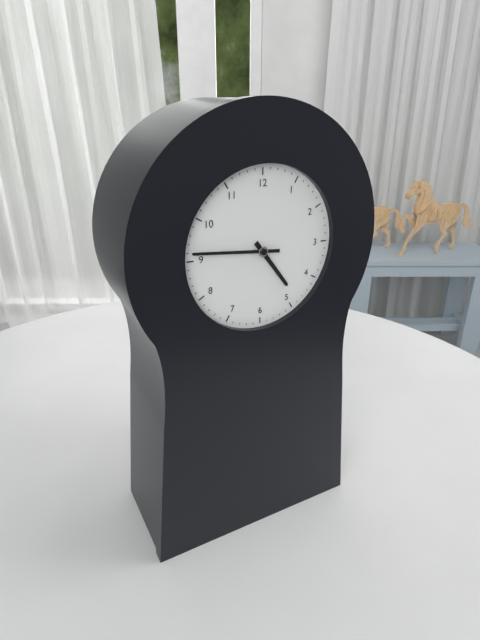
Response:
h=4 m=46
